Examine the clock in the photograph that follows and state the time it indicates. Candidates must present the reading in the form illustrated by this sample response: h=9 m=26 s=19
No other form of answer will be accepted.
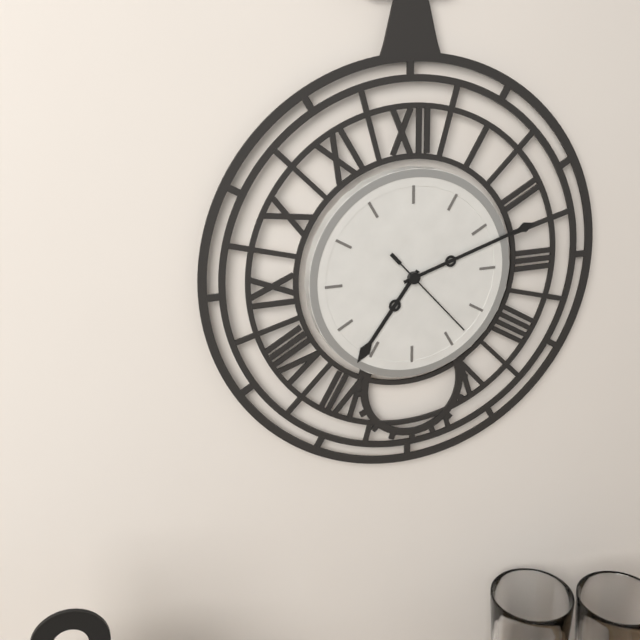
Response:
h=7 m=12 s=23
